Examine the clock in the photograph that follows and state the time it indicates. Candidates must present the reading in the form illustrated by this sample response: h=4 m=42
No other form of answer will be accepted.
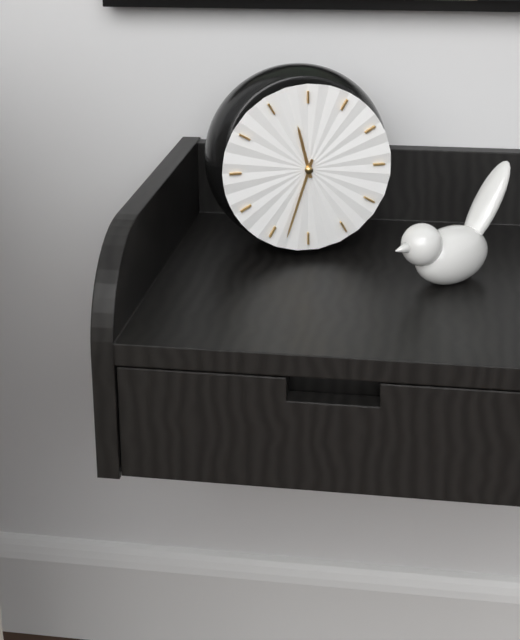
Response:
h=11 m=33
